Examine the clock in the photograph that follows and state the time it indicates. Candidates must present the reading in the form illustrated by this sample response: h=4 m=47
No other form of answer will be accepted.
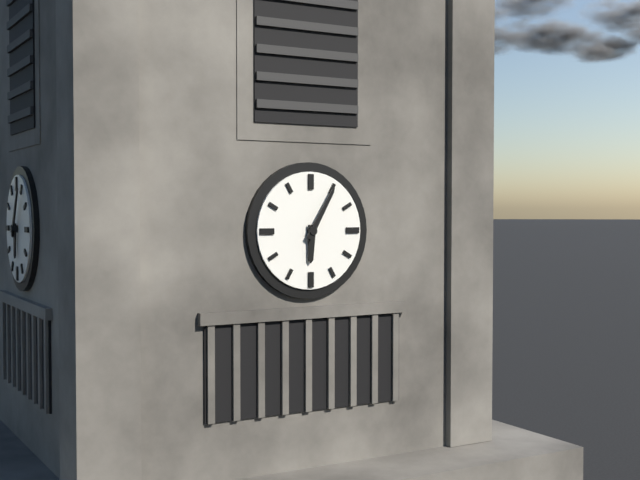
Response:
h=6 m=5
